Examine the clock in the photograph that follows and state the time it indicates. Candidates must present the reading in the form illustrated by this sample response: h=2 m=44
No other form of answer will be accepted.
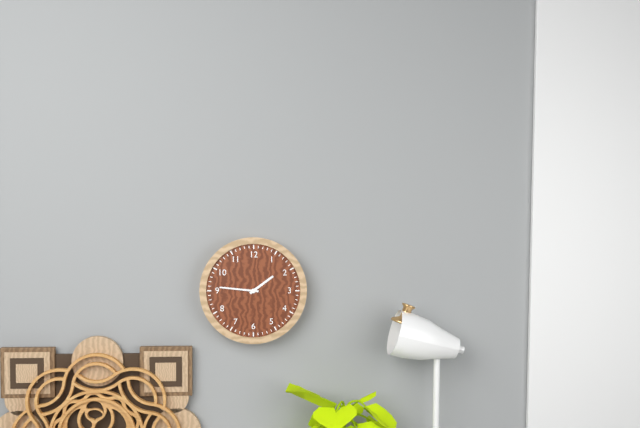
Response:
h=1 m=46
